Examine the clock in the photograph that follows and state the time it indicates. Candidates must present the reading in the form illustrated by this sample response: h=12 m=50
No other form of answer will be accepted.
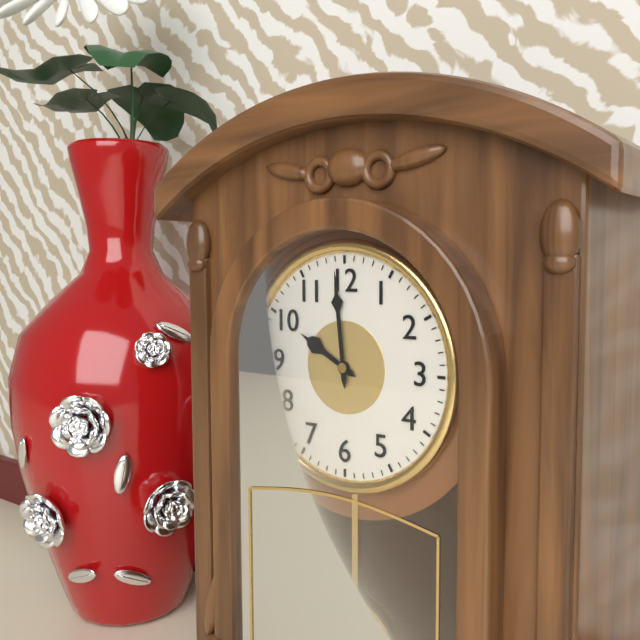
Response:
h=9 m=59
